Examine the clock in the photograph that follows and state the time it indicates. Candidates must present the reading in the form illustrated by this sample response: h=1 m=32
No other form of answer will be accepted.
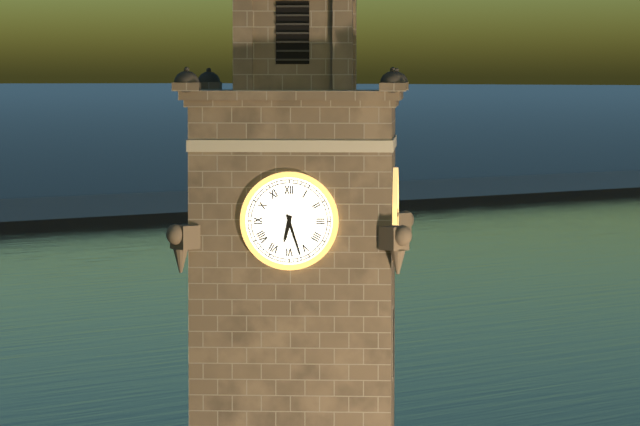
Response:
h=6 m=27
